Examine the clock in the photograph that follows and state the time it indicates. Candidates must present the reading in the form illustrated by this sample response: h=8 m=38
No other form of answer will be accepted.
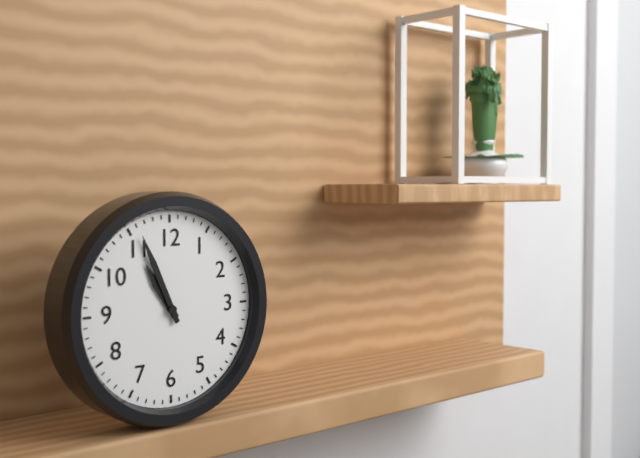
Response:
h=10 m=56
